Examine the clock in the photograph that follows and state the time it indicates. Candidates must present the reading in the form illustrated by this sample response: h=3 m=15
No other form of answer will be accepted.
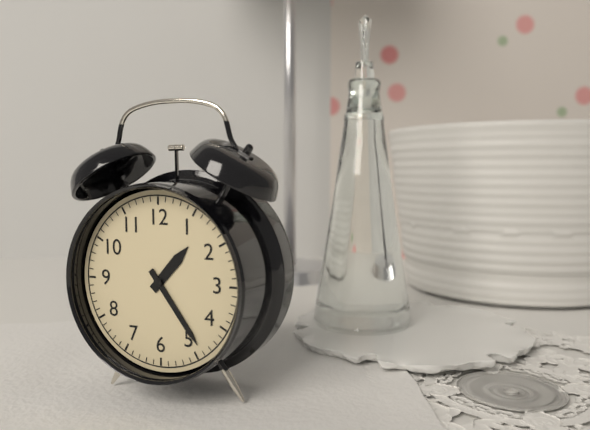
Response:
h=1 m=24
